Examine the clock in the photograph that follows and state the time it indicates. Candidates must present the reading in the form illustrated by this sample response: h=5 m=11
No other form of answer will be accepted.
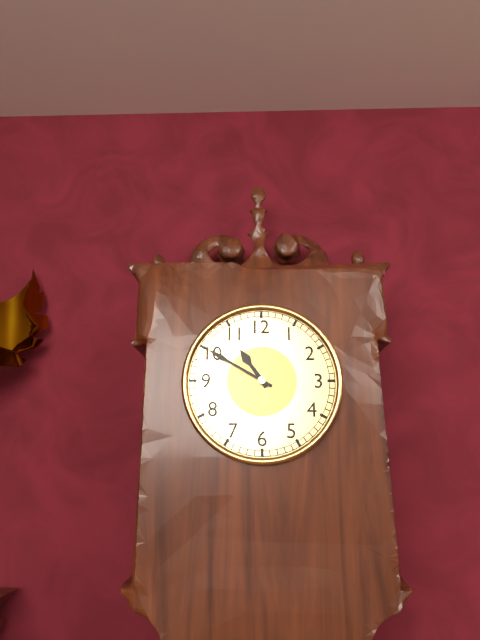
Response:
h=10 m=50
